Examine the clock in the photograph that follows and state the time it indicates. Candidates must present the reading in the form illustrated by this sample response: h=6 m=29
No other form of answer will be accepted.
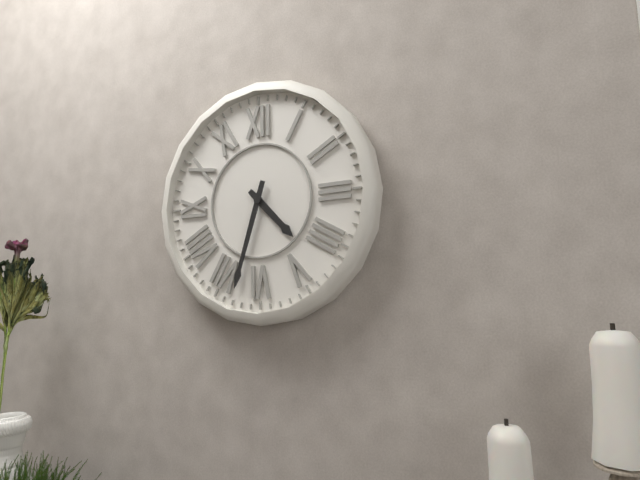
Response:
h=4 m=33
